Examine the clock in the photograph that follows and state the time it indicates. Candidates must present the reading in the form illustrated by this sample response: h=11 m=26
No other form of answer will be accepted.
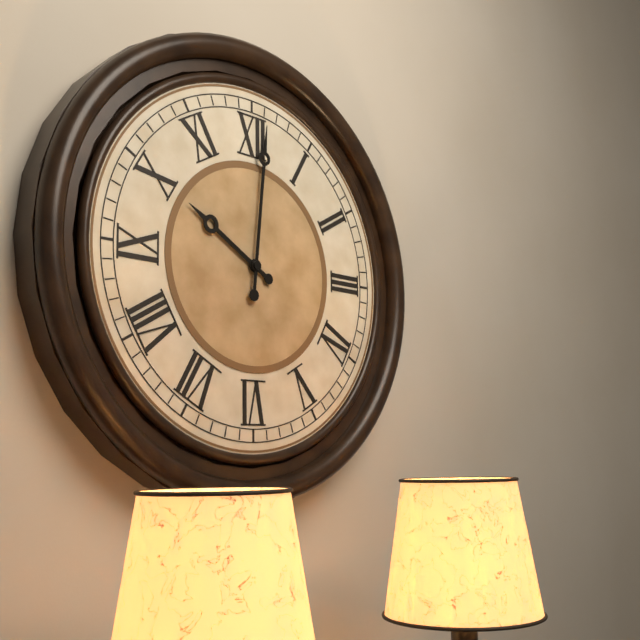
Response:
h=10 m=1
